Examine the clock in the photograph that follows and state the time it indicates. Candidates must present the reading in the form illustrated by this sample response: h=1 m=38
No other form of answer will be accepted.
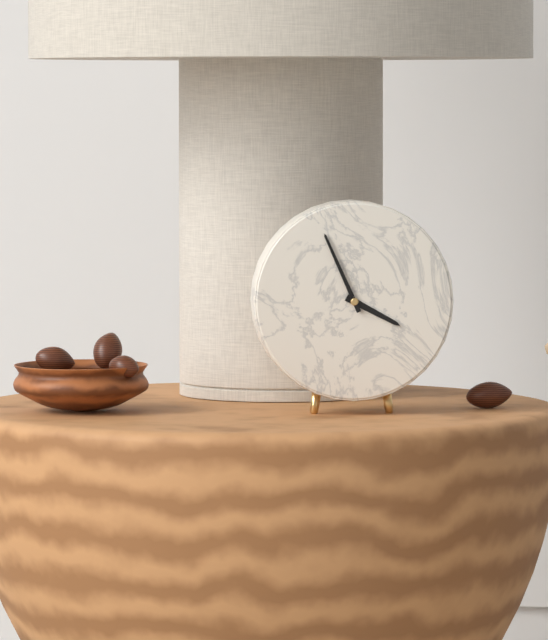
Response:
h=3 m=56
